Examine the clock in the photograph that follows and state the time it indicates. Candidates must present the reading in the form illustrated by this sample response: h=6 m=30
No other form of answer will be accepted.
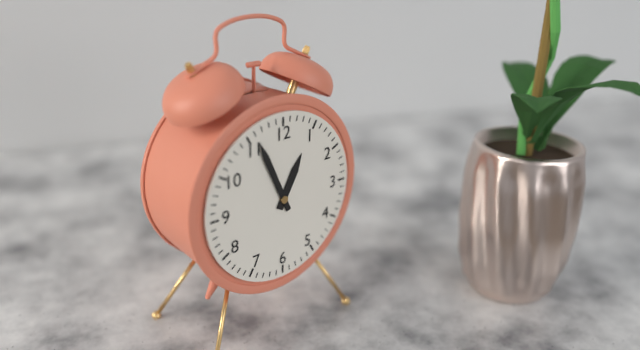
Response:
h=12 m=56
